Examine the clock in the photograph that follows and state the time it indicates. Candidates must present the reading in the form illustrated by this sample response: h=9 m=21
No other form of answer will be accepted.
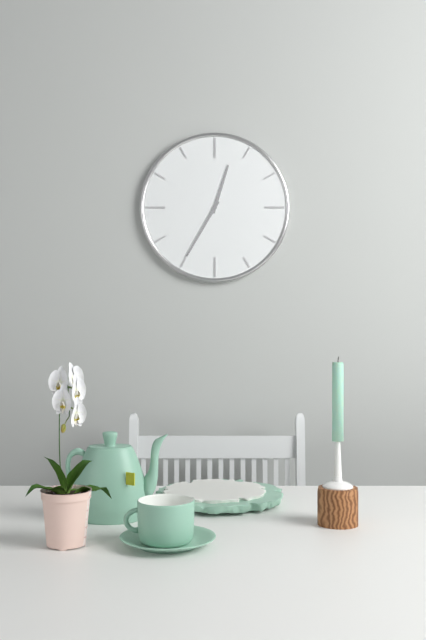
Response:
h=12 m=35
